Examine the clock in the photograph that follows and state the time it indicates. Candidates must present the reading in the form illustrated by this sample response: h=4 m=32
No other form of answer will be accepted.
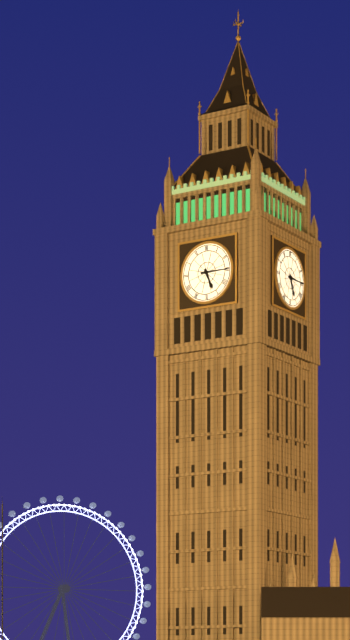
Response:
h=5 m=15
